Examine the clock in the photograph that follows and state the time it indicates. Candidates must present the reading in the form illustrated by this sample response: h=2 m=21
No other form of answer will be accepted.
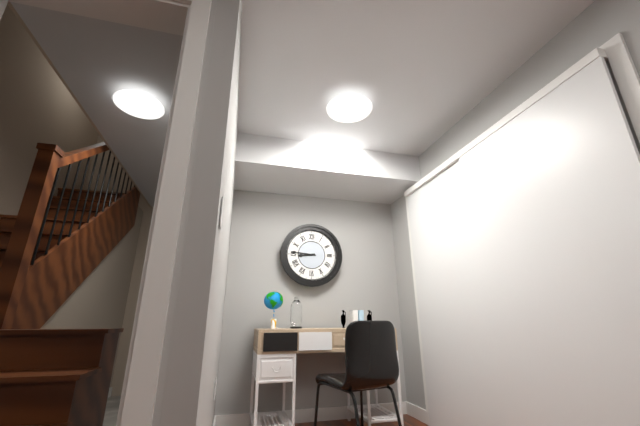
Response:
h=8 m=46
